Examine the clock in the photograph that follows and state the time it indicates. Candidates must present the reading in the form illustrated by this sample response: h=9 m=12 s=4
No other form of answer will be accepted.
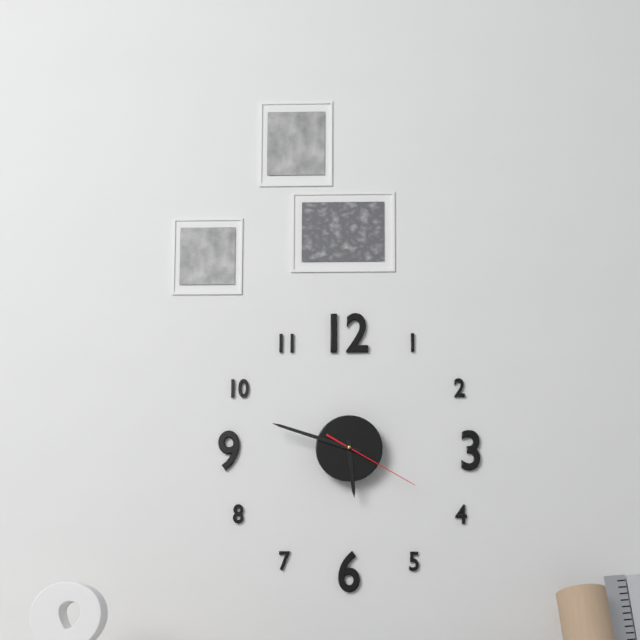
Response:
h=5 m=48 s=20
